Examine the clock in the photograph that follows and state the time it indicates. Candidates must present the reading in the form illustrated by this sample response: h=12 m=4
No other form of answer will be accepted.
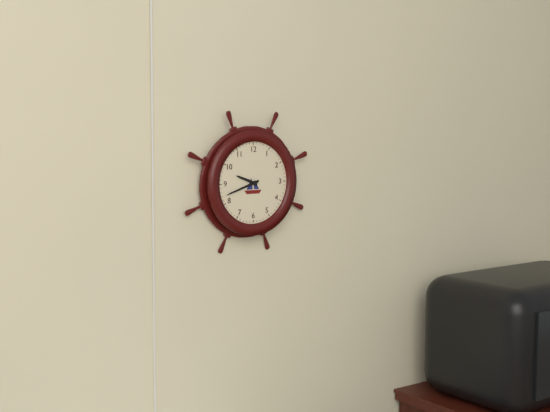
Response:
h=9 m=42
